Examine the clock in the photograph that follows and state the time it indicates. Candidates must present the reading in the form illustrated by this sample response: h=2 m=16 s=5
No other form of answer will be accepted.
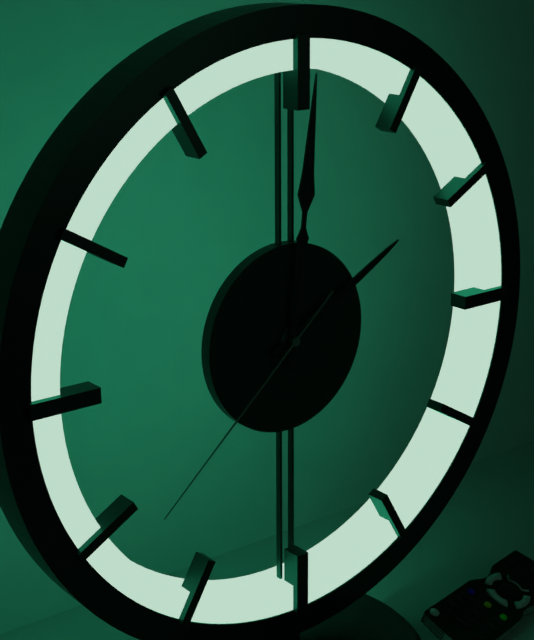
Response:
h=2 m=1 s=38
